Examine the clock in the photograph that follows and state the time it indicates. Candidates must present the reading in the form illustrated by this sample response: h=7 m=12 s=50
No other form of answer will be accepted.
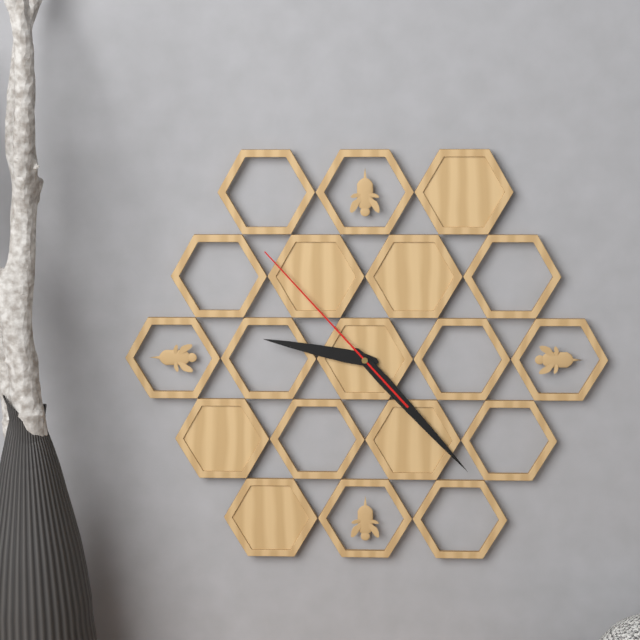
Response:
h=9 m=23 s=53
